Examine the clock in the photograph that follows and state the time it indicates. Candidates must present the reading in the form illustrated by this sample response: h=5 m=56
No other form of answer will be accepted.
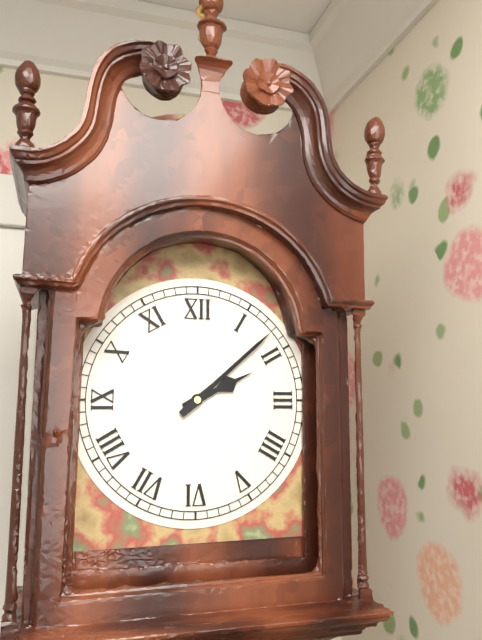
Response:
h=2 m=8
